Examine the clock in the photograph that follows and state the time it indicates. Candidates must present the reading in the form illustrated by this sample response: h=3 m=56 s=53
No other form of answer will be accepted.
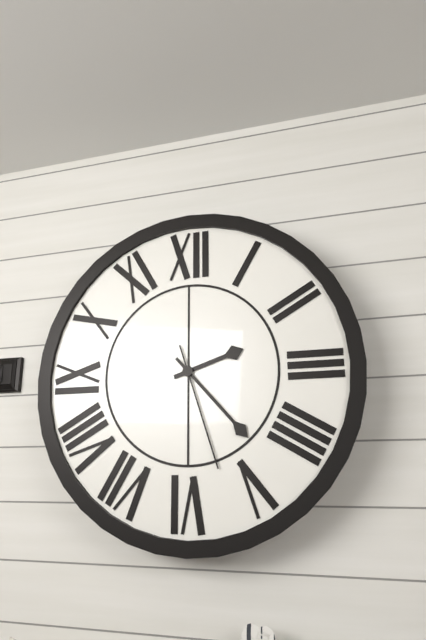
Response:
h=2 m=23 s=27
